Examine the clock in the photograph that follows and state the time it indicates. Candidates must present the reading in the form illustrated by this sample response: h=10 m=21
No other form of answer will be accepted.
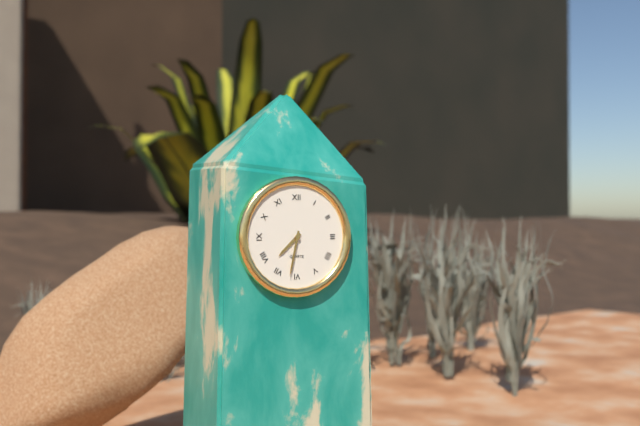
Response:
h=7 m=32
